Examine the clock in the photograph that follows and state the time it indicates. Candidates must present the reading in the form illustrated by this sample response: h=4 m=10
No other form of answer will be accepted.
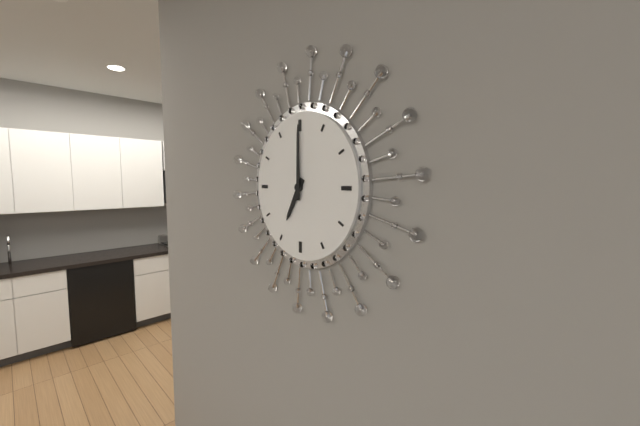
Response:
h=7 m=0
